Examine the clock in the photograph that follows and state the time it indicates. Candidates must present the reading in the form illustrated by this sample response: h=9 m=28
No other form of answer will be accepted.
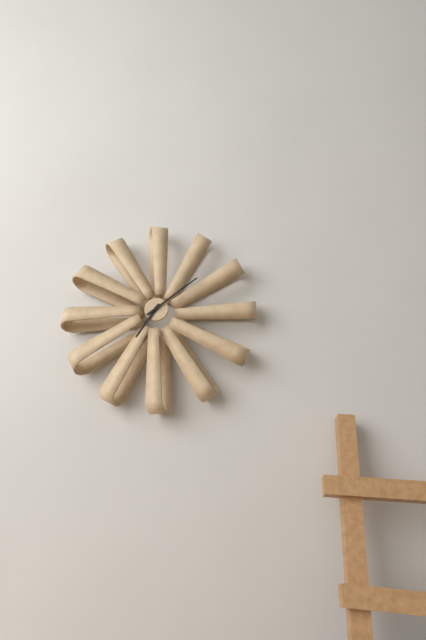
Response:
h=7 m=9
